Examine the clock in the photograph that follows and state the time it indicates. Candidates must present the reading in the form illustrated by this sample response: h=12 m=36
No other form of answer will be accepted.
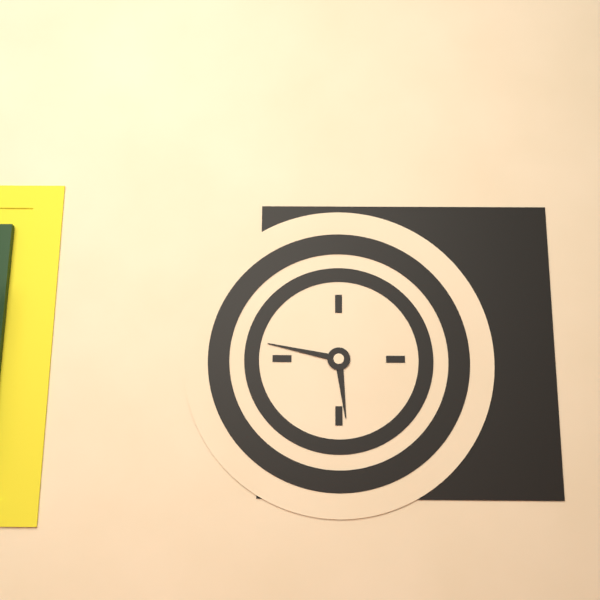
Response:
h=5 m=47
